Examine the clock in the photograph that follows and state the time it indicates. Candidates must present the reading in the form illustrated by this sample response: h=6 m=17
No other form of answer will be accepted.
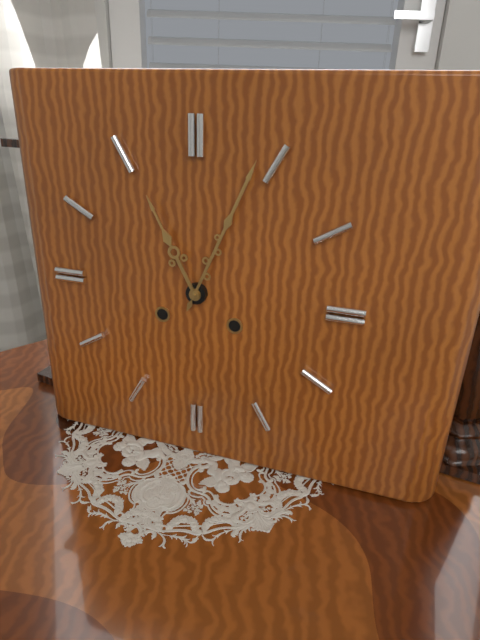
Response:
h=11 m=4
